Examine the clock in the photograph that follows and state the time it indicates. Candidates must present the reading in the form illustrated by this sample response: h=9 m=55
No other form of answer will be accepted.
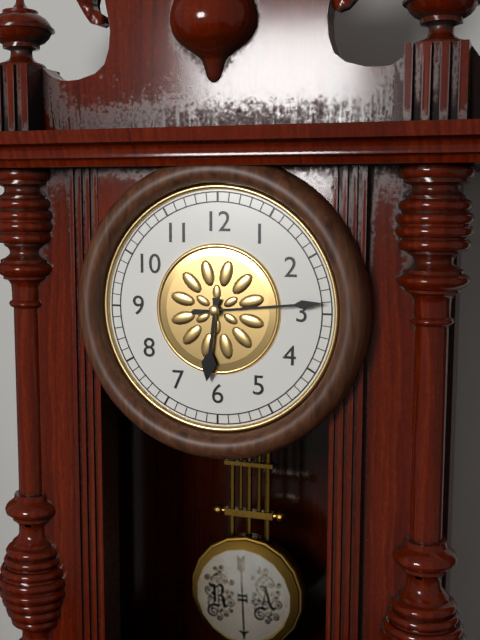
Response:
h=6 m=14
